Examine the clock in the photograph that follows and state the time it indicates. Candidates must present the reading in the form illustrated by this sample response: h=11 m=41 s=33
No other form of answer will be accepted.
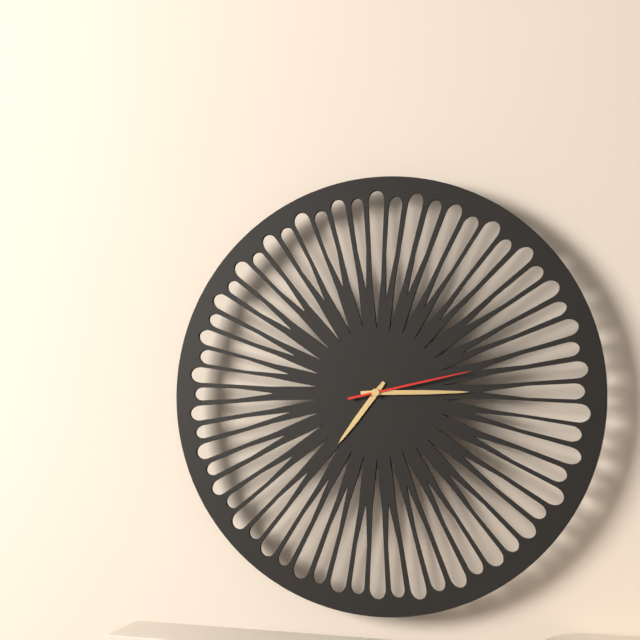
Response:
h=7 m=15 s=13
